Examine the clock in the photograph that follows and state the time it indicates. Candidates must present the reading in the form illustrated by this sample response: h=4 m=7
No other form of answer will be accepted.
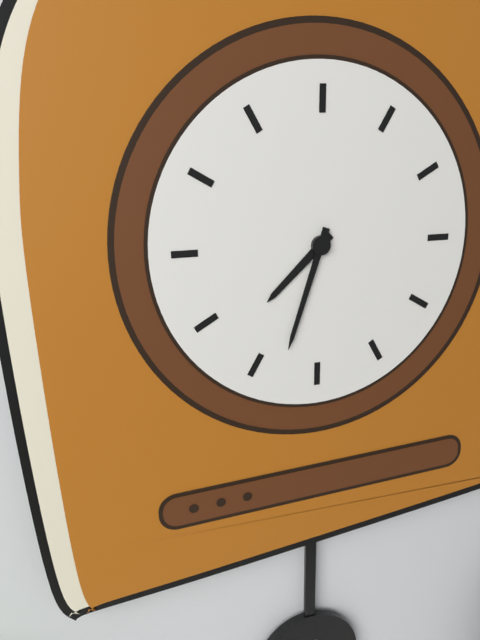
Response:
h=7 m=33
